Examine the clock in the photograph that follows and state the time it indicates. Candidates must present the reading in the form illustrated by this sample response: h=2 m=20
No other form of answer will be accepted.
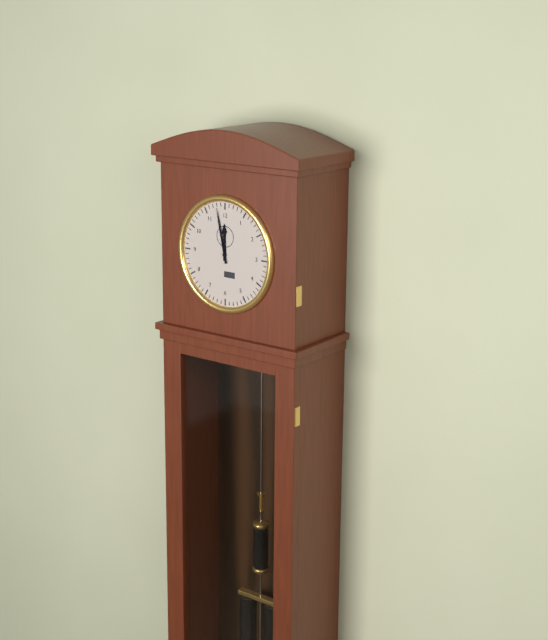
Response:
h=11 m=58
